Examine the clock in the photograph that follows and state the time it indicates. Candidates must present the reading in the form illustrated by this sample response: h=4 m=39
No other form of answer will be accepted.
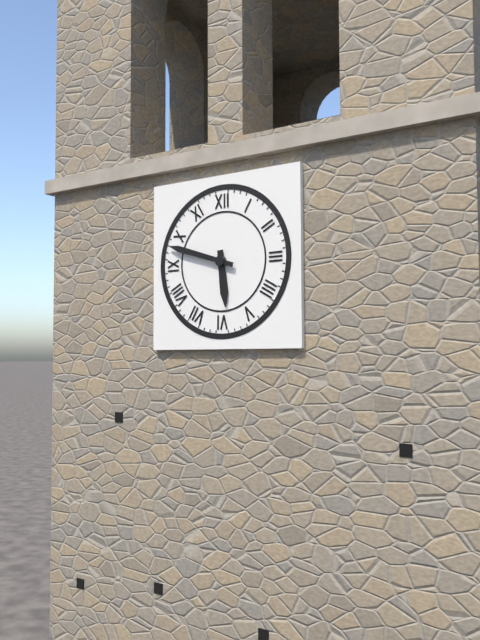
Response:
h=5 m=48
